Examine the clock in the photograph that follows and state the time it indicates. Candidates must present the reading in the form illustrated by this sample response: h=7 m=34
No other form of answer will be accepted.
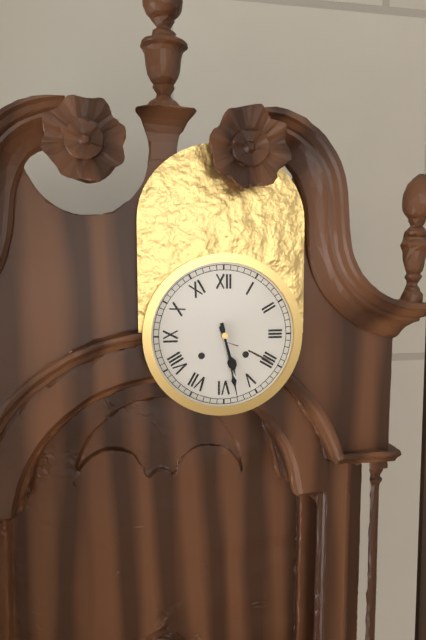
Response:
h=5 m=28
